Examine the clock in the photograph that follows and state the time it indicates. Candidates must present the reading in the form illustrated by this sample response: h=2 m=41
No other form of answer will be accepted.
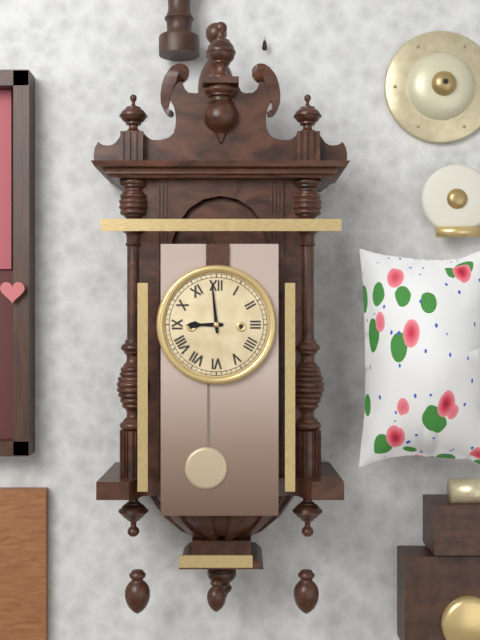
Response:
h=8 m=59
